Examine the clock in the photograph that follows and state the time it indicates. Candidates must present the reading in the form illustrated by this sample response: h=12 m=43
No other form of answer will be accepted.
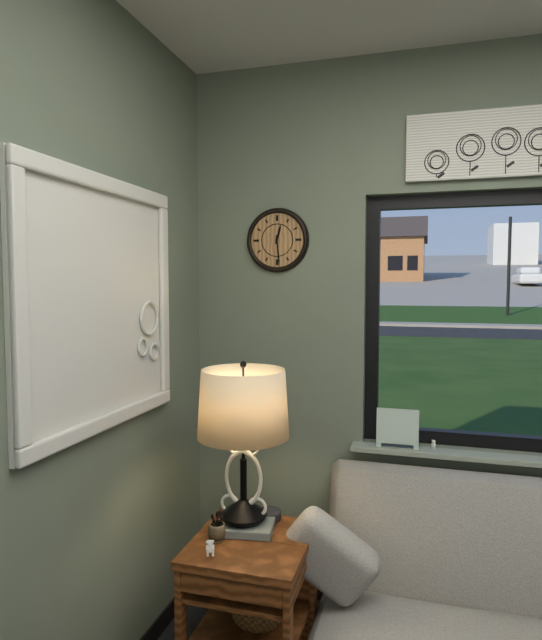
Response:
h=12 m=29
